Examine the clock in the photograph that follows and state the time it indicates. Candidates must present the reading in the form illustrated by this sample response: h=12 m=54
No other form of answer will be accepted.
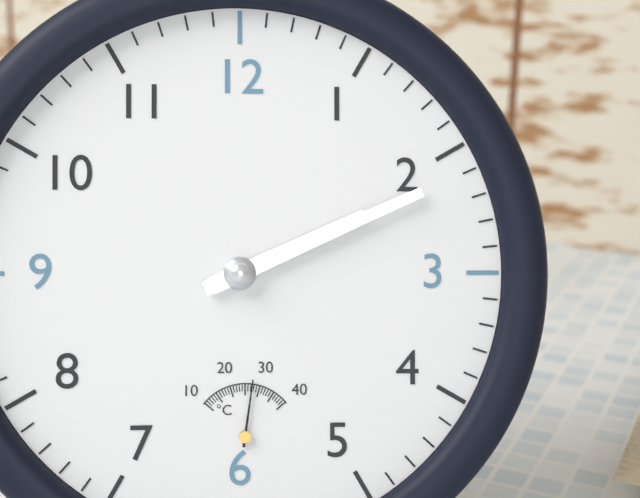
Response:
h=2 m=11
